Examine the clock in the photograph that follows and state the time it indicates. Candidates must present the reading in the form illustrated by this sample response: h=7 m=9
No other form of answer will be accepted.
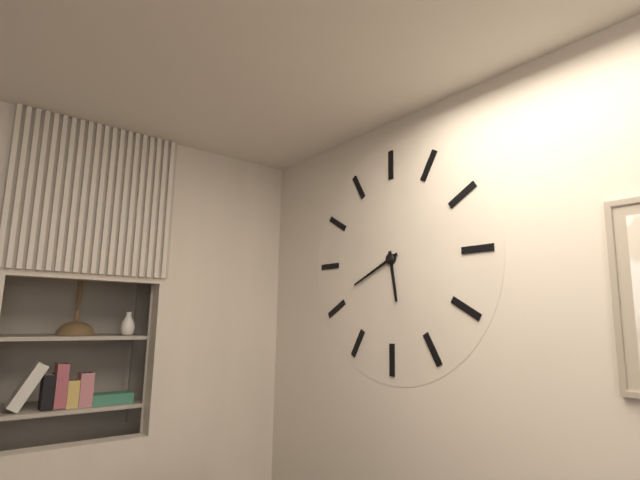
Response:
h=5 m=41
